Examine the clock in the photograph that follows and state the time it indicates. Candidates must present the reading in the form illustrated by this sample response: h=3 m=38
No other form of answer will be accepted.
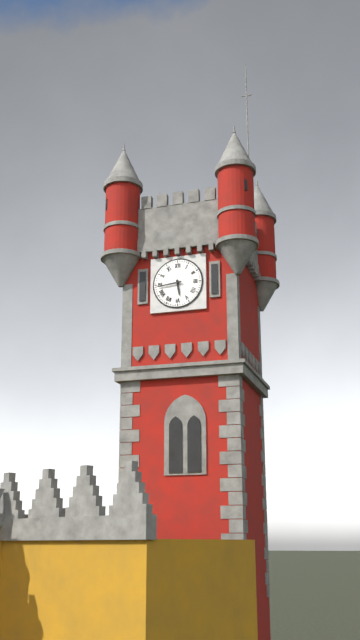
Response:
h=5 m=44
